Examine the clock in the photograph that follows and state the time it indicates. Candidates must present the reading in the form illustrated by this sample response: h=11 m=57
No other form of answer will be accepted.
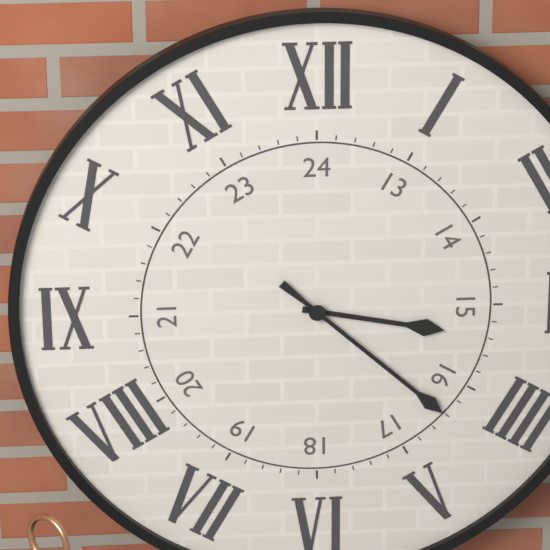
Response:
h=3 m=22
